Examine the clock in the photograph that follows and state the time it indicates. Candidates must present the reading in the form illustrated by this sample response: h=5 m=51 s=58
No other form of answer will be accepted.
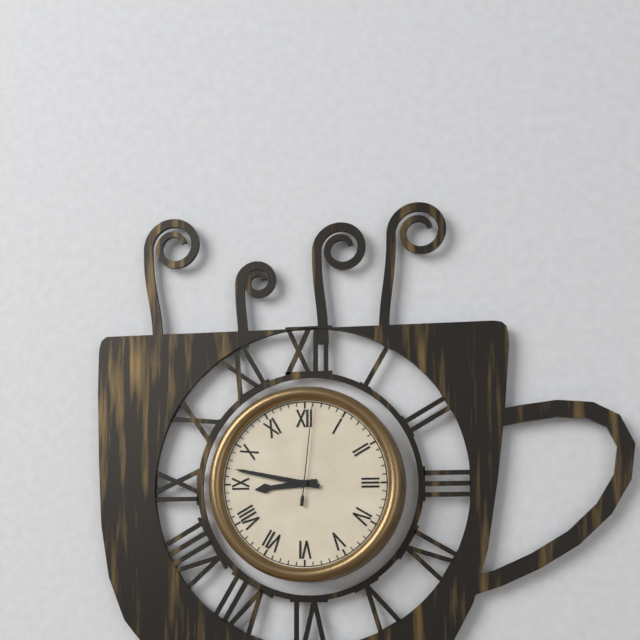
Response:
h=8 m=47 s=1
